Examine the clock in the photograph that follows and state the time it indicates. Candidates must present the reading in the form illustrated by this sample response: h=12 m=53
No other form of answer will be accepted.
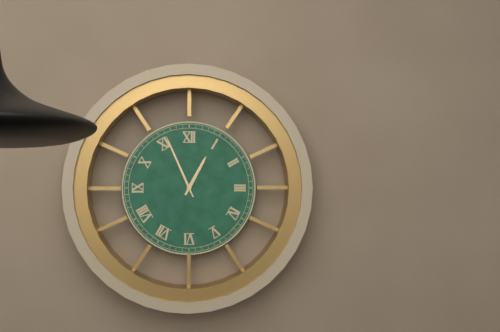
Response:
h=12 m=56
